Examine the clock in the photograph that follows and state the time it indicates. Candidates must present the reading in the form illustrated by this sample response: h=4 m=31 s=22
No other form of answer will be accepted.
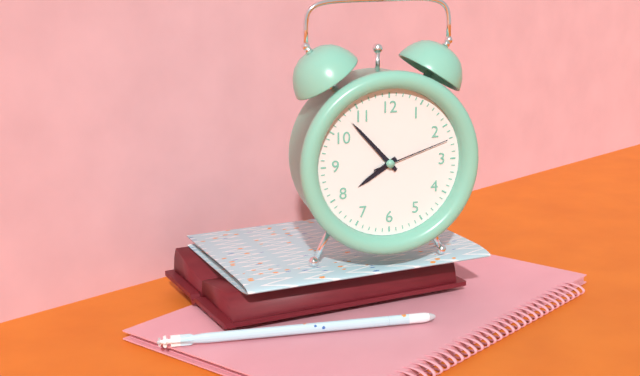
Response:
h=7 m=53 s=12
